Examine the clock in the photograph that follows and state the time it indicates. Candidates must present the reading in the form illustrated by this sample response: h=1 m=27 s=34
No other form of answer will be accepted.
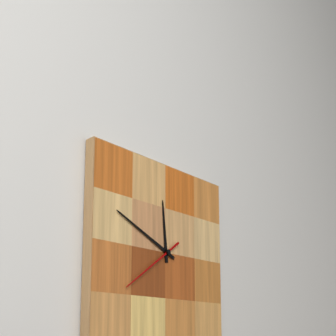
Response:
h=11 m=49 s=39
